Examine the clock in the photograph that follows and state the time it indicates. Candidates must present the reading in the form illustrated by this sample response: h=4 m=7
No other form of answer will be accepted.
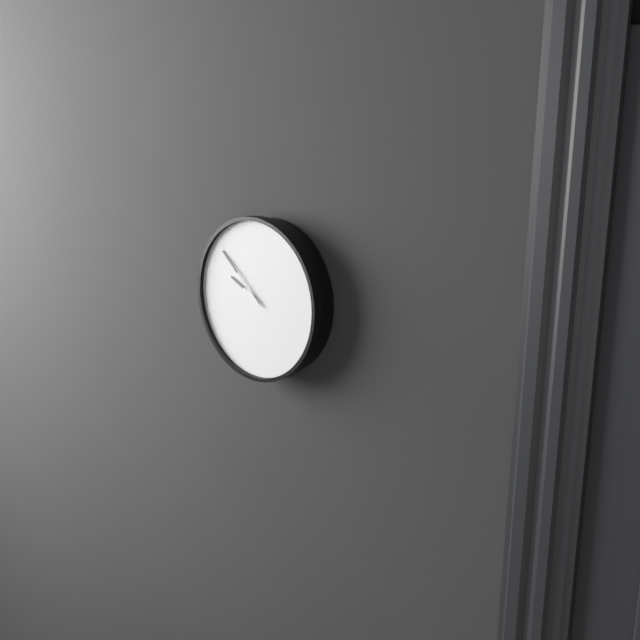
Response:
h=9 m=52
